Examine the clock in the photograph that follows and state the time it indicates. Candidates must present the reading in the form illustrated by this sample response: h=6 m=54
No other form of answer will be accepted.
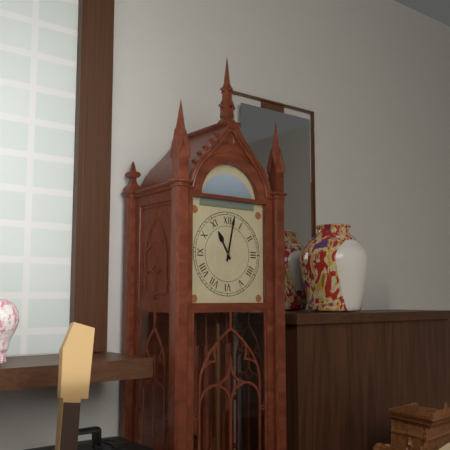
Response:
h=11 m=2
